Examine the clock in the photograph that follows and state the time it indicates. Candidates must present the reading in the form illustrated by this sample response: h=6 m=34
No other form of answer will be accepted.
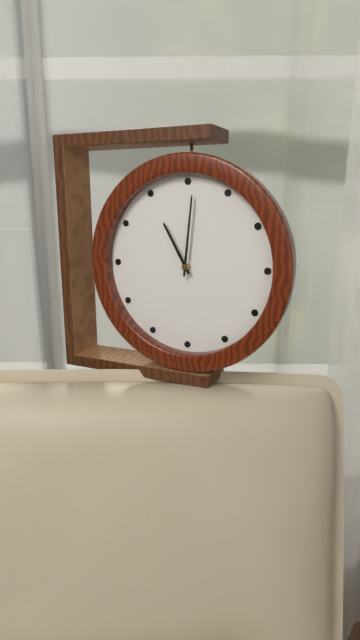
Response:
h=11 m=1
